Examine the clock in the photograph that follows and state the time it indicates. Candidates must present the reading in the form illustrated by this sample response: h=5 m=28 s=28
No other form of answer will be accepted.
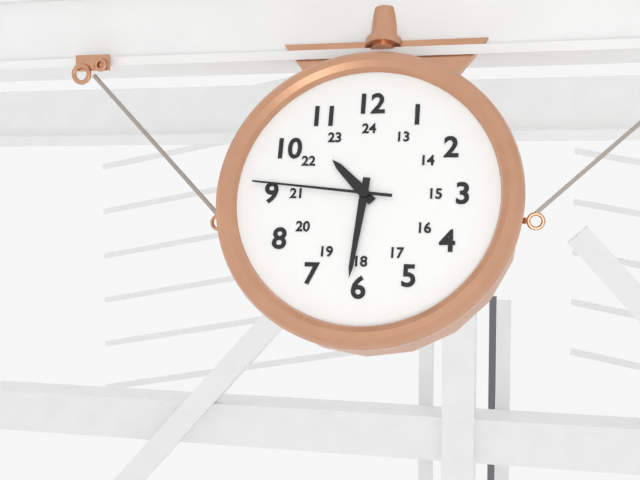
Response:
h=10 m=31 s=46
